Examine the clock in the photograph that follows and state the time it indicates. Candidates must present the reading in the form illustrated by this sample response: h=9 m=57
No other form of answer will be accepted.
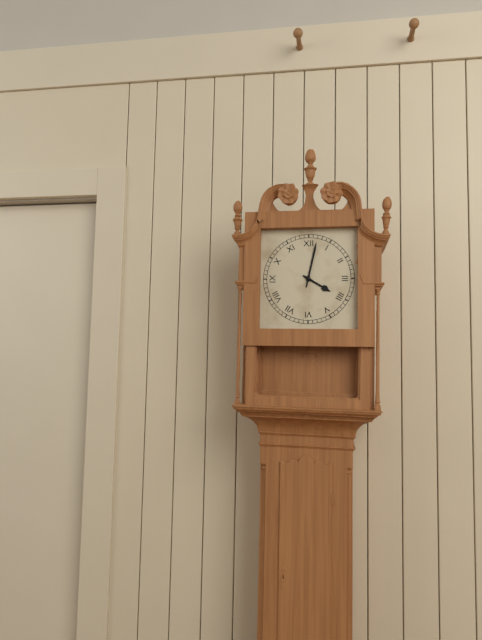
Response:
h=4 m=2
